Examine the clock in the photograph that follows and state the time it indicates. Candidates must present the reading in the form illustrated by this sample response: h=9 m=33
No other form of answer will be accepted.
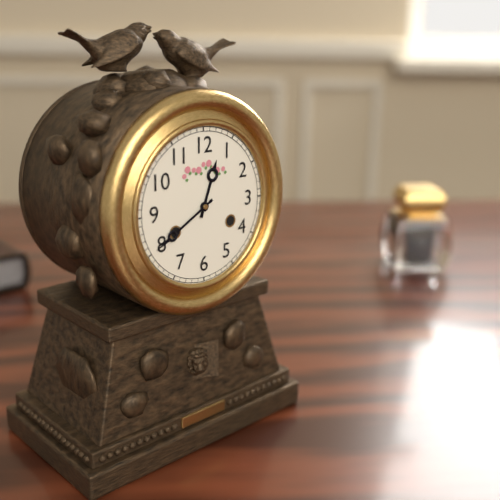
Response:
h=12 m=40
